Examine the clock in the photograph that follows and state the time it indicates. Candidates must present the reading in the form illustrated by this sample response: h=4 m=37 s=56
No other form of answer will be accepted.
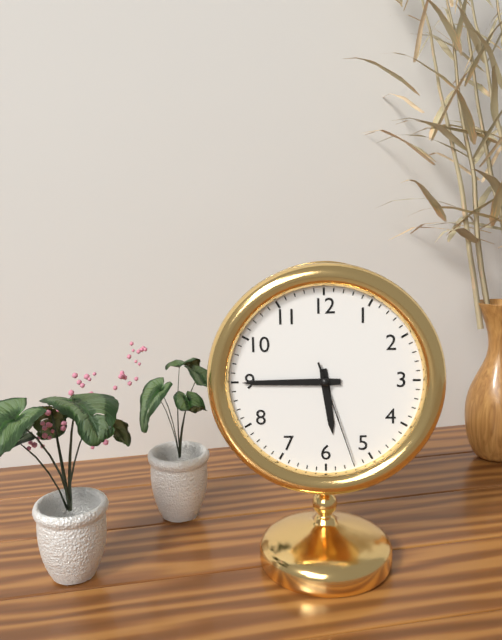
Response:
h=5 m=45 s=27
